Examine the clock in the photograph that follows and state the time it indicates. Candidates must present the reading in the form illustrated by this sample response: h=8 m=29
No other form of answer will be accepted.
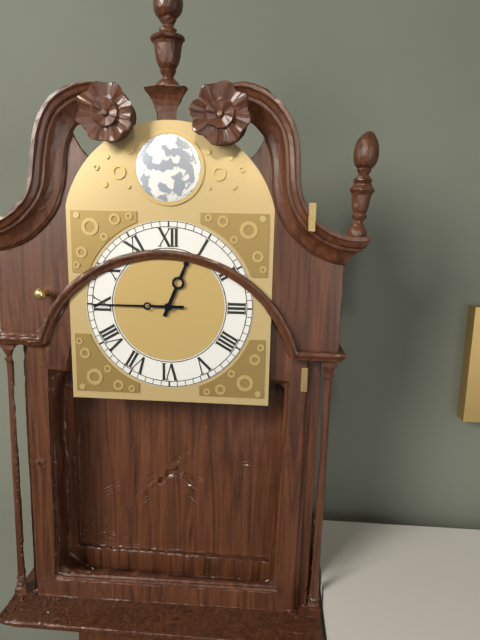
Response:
h=12 m=45
